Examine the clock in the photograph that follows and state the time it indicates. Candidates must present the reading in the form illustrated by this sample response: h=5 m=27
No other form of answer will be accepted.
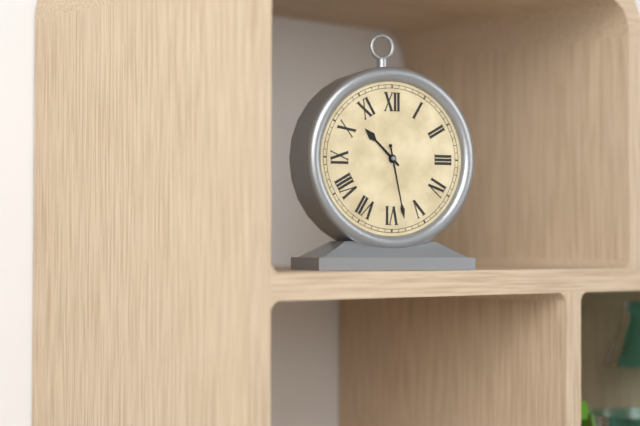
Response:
h=10 m=28
